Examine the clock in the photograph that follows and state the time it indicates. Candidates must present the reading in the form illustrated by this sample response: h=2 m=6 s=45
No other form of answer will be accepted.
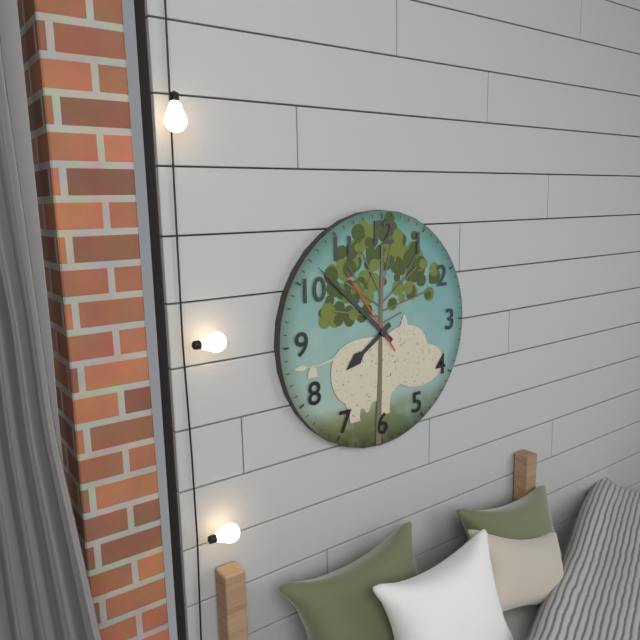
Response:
h=7 m=52 s=54
